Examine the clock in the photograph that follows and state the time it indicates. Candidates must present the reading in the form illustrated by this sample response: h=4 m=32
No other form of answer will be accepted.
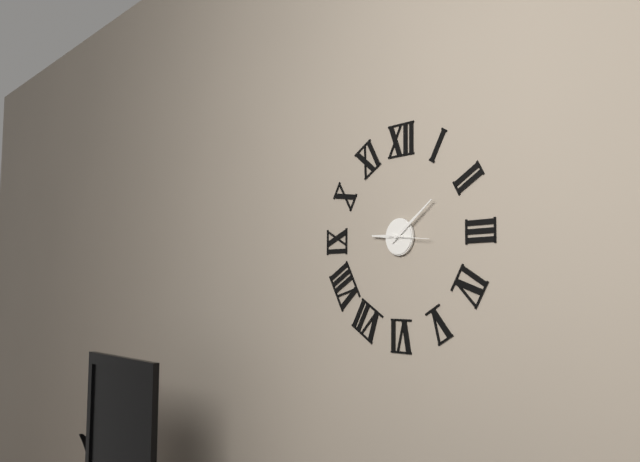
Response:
h=9 m=9
